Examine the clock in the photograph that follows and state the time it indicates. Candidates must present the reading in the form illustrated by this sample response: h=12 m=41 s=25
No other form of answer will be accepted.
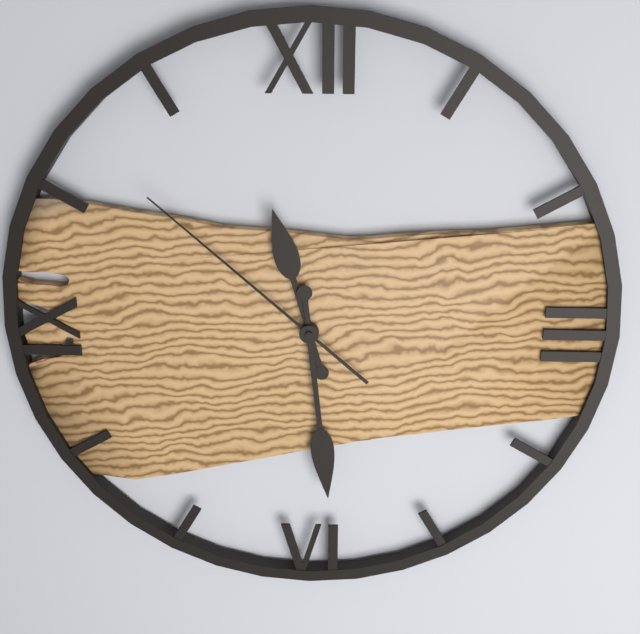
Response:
h=11 m=29 s=52
